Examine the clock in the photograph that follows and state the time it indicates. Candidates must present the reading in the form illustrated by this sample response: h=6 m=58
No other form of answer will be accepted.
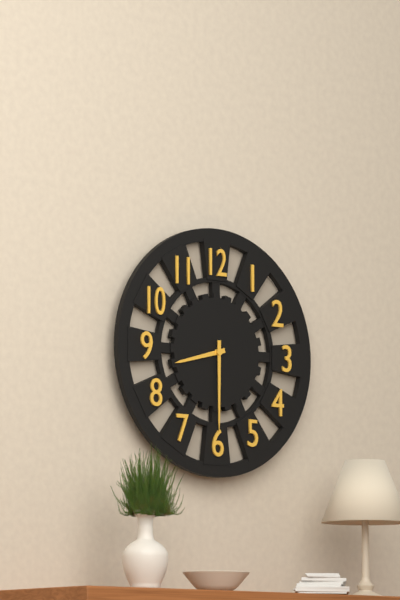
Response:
h=8 m=30
